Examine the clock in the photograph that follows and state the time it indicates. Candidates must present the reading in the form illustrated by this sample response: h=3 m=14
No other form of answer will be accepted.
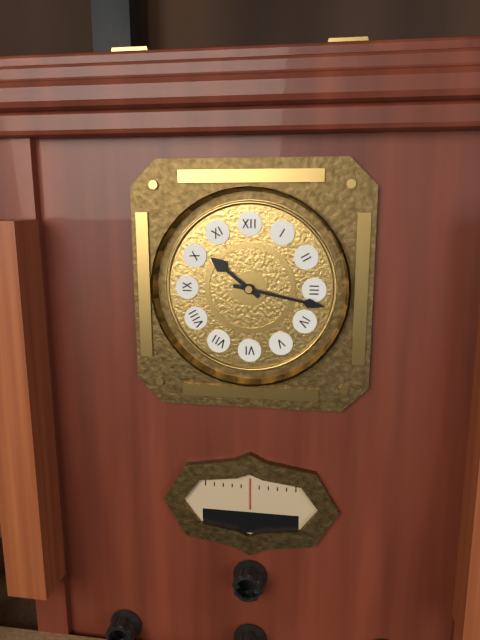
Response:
h=10 m=17
